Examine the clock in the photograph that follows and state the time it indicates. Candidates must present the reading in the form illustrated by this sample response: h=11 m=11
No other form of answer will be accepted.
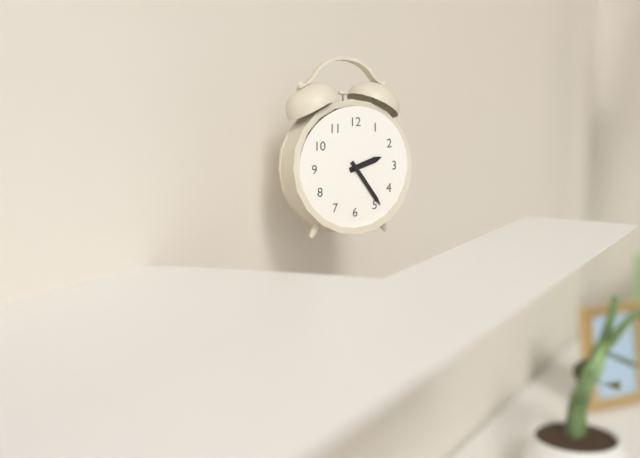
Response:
h=2 m=24
